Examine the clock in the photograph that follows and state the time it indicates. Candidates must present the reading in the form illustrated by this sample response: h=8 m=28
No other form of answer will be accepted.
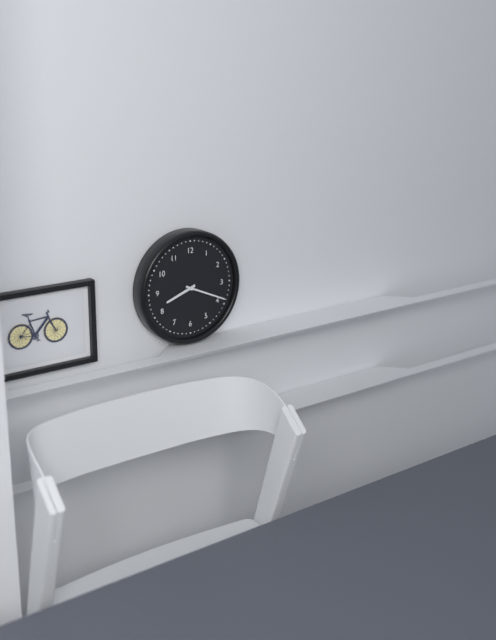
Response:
h=8 m=19
